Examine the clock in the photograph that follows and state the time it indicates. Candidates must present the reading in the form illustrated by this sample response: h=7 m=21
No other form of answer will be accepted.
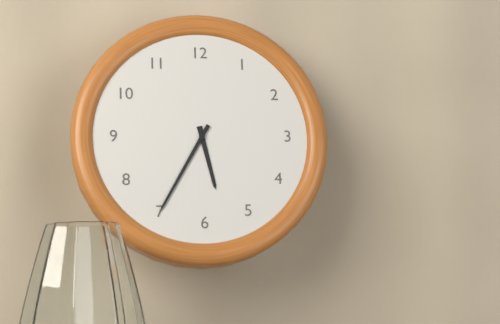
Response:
h=5 m=35
